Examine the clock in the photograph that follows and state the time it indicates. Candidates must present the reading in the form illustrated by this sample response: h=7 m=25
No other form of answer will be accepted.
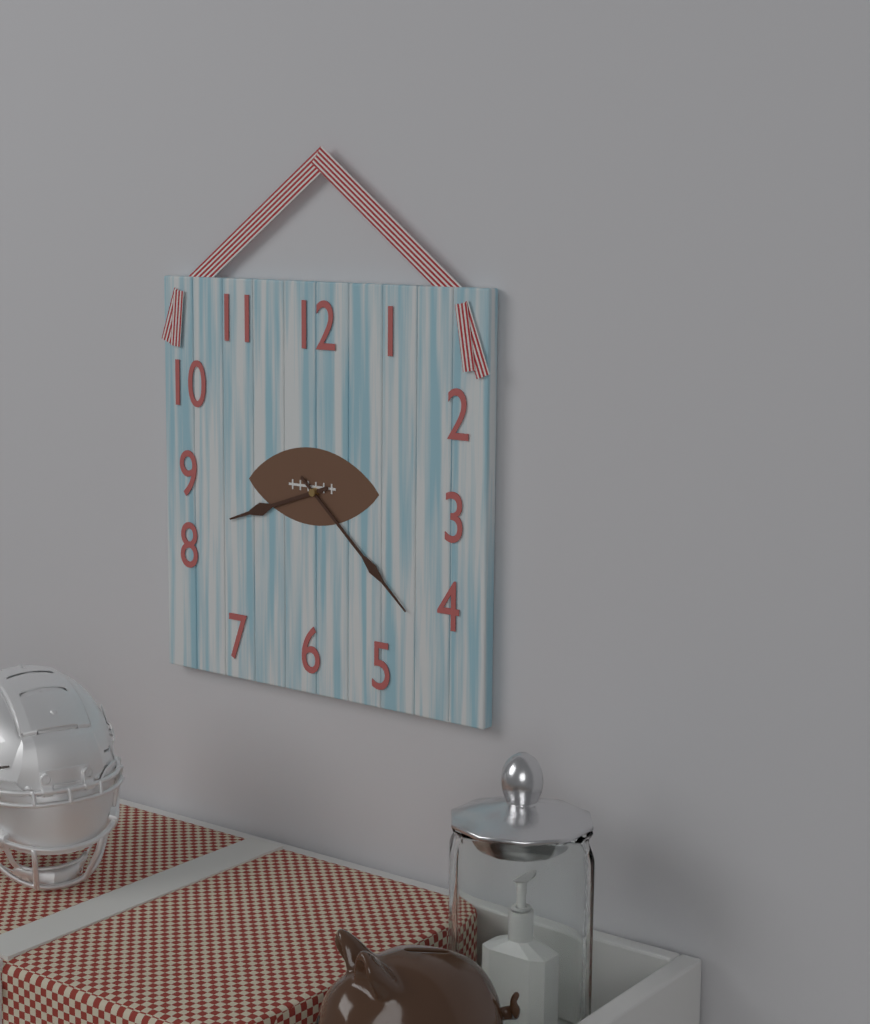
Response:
h=8 m=22
